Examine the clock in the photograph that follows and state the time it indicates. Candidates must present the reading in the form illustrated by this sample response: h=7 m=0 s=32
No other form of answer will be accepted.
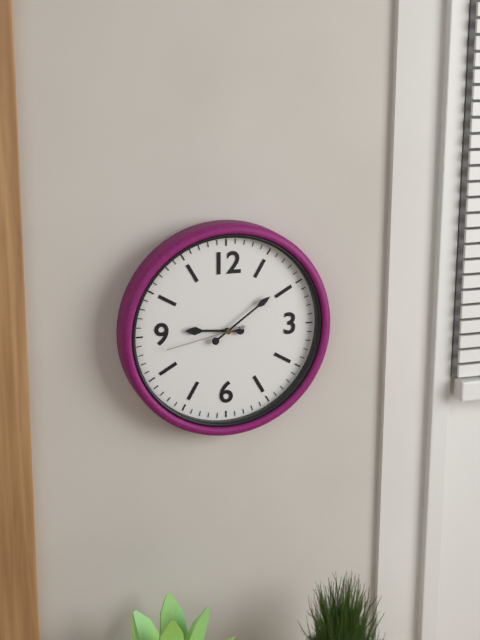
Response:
h=9 m=9 s=43
